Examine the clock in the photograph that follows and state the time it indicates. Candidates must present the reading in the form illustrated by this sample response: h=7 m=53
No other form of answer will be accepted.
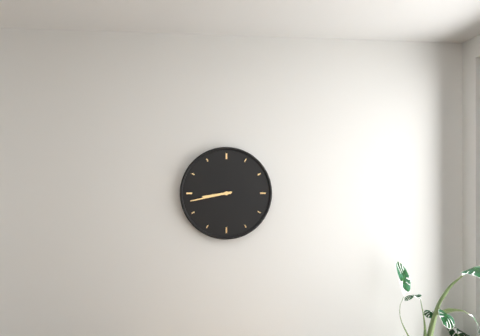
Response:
h=8 m=43
